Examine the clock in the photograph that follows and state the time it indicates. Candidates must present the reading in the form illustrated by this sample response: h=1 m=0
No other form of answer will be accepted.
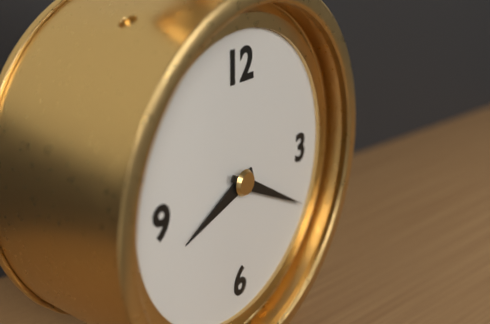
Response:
h=8 m=20
